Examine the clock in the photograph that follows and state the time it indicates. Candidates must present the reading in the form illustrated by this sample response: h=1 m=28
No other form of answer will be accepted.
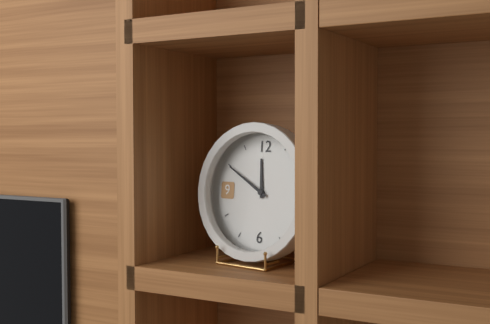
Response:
h=11 m=50
